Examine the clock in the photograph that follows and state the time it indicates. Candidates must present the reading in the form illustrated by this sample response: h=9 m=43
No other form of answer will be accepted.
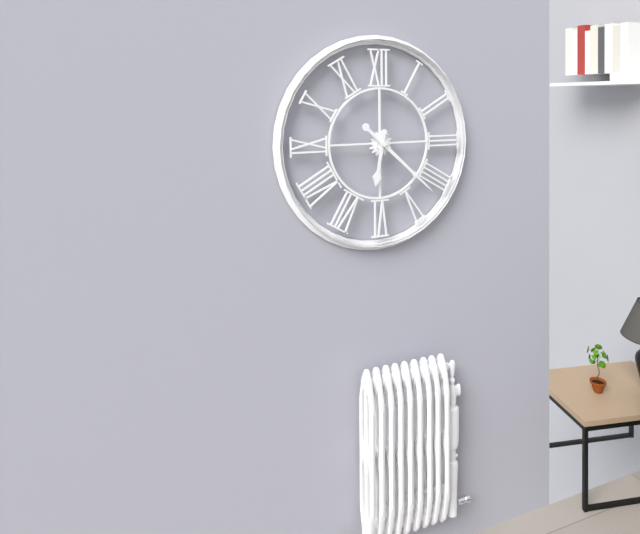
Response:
h=6 m=22
